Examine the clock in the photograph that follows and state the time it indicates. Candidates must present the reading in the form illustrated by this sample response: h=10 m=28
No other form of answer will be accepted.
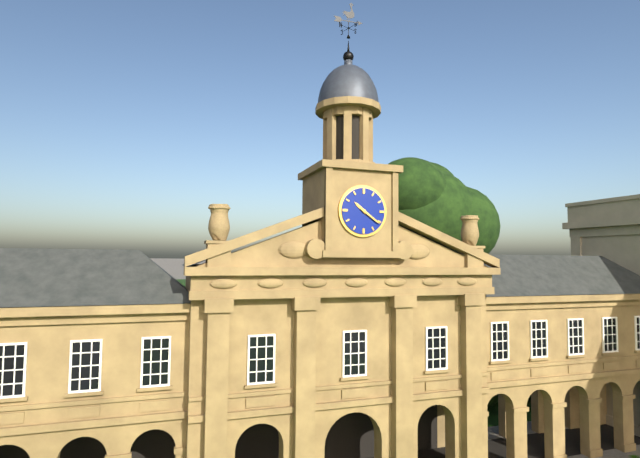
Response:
h=10 m=21
